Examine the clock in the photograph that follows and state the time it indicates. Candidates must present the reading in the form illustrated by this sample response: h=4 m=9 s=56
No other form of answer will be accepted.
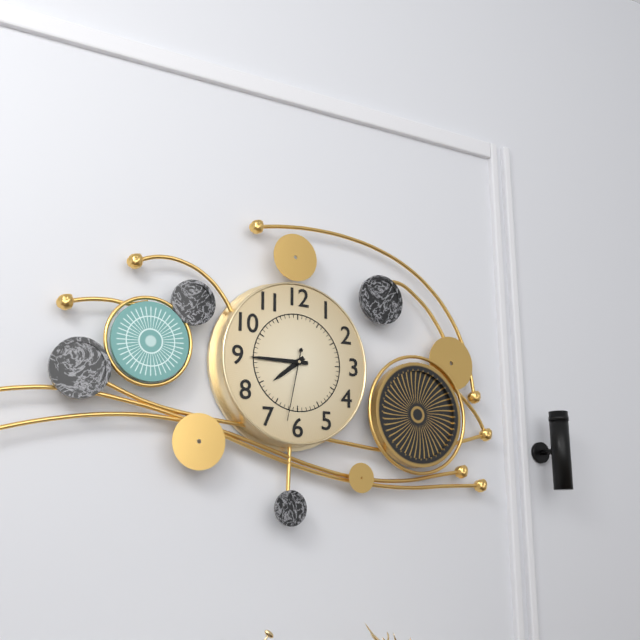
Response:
h=7 m=45 s=32
